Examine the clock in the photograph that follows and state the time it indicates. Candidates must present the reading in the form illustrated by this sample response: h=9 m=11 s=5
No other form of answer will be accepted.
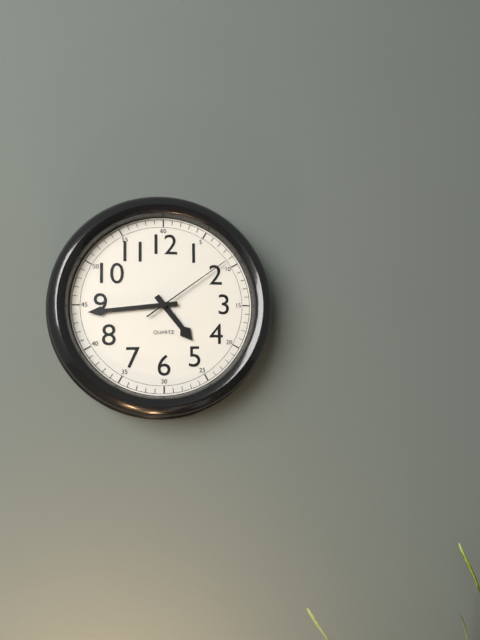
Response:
h=4 m=44 s=9
